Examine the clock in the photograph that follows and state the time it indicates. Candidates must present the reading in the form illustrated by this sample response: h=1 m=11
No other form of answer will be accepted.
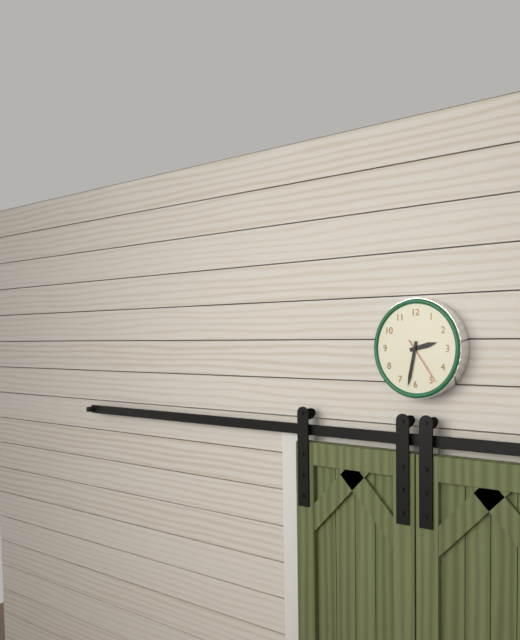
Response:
h=2 m=32
